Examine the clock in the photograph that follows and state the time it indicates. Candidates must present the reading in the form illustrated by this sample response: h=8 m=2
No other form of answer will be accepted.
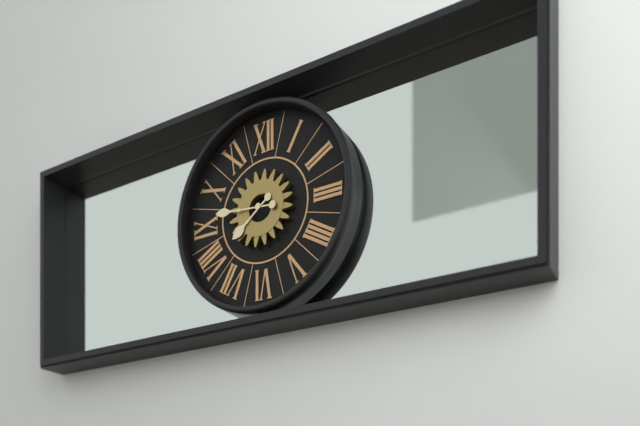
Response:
h=7 m=46
